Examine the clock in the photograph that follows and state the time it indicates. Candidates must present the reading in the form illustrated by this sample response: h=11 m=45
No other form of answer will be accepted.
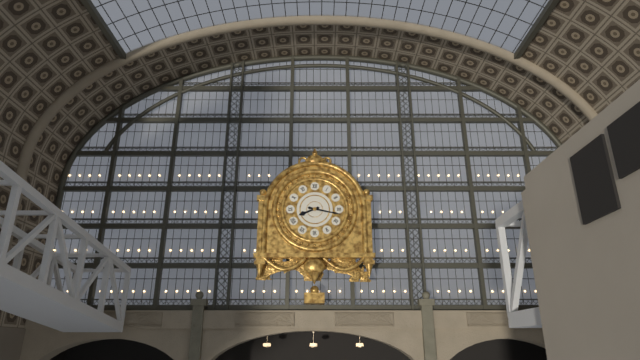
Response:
h=8 m=17
